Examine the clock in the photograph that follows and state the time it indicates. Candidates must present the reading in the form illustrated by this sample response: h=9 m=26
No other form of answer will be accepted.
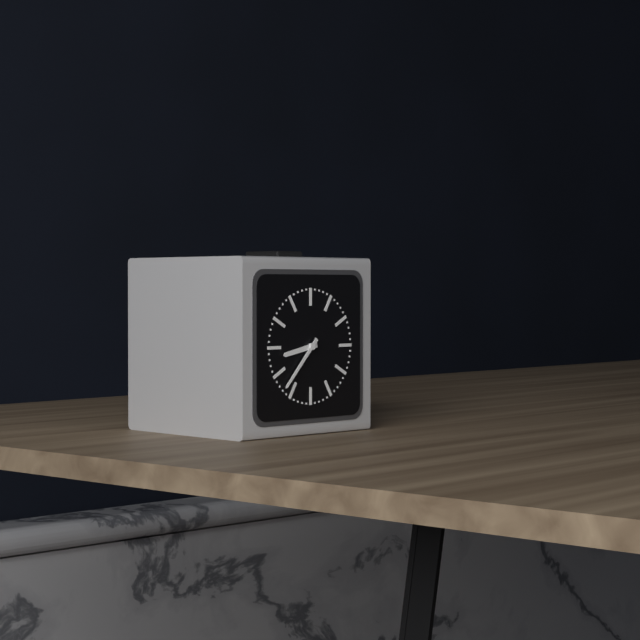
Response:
h=8 m=37
